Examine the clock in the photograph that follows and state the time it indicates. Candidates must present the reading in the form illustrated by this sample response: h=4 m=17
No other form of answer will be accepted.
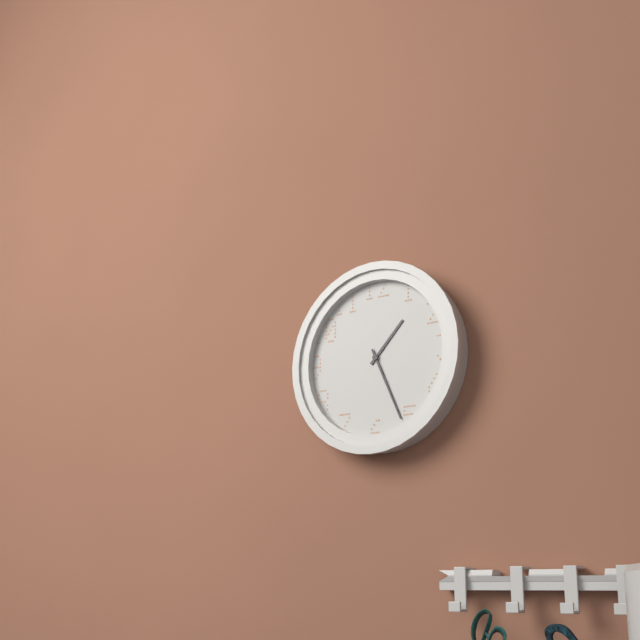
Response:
h=1 m=26
